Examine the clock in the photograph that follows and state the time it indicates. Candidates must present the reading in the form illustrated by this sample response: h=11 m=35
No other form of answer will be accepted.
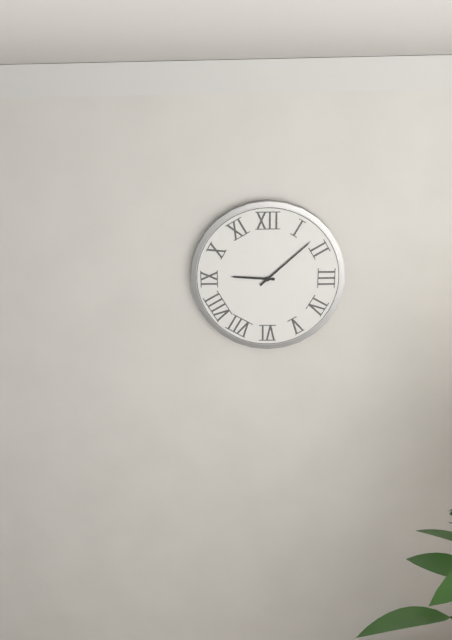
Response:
h=9 m=8
